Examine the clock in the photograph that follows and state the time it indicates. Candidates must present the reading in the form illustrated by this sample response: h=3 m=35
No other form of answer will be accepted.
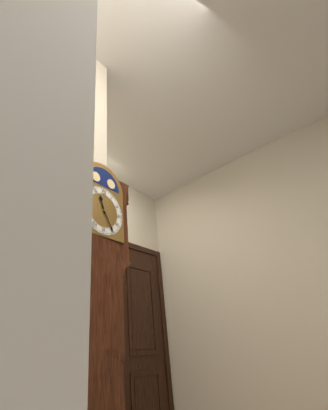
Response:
h=11 m=25
